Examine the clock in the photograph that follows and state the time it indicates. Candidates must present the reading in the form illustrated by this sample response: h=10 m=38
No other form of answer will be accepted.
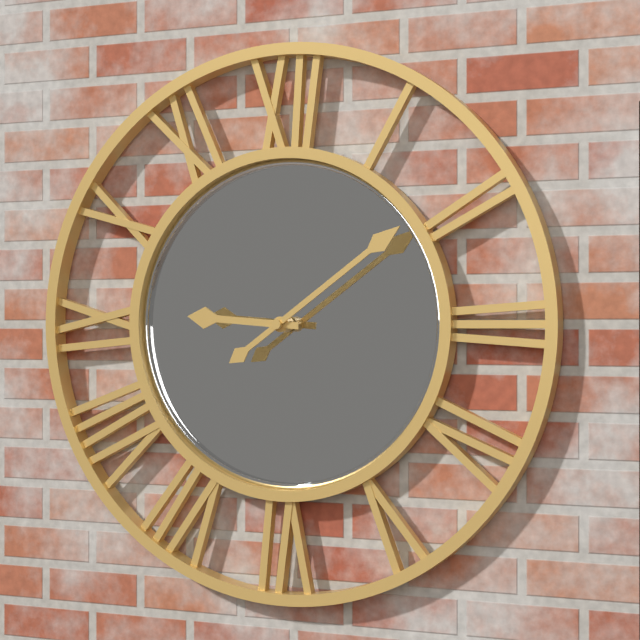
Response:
h=9 m=9
